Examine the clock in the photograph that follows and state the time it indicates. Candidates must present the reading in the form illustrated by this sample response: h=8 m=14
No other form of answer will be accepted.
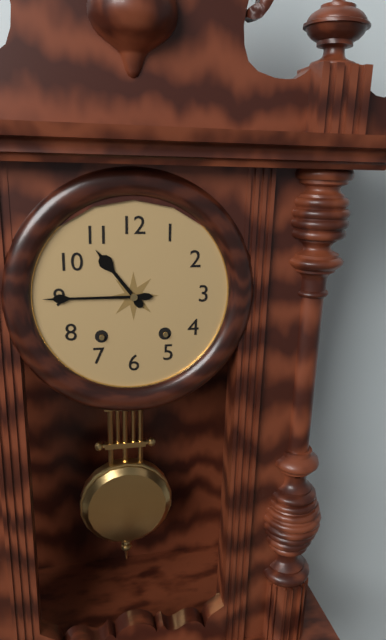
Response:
h=10 m=45
